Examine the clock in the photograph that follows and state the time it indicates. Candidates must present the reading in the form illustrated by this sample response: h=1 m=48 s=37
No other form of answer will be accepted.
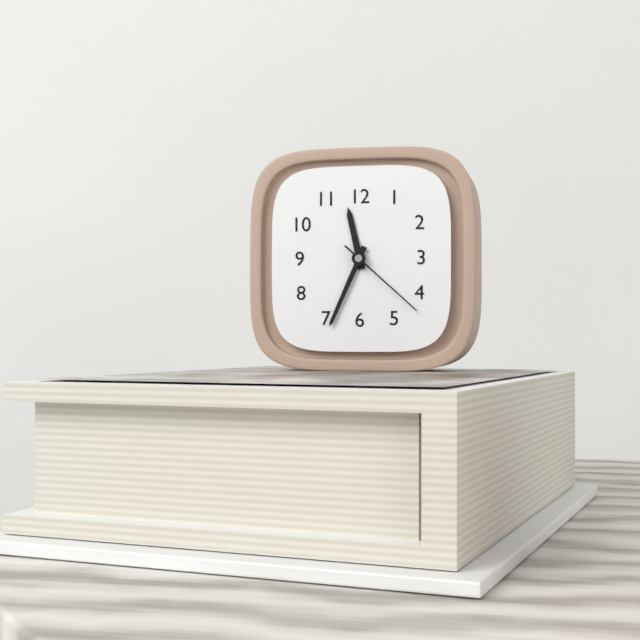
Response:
h=11 m=34 s=22
